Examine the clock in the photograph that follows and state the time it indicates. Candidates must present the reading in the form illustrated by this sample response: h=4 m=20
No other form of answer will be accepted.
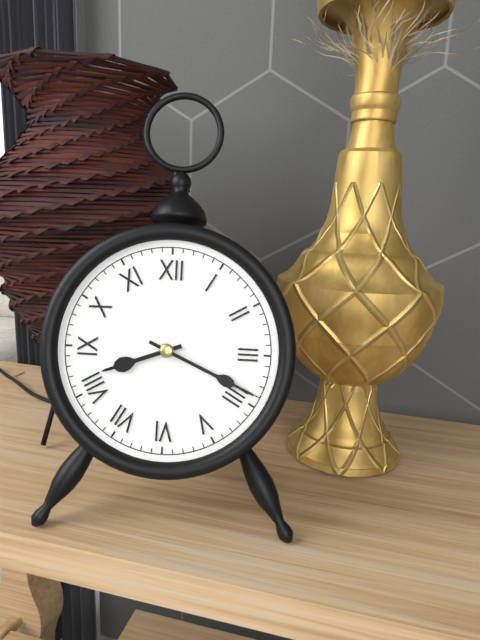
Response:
h=8 m=19
